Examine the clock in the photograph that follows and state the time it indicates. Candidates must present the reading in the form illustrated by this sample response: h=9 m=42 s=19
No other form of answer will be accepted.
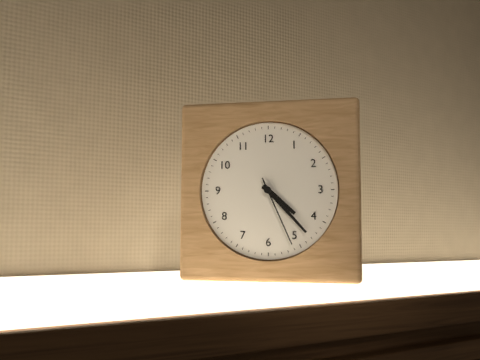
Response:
h=4 m=23 s=26
